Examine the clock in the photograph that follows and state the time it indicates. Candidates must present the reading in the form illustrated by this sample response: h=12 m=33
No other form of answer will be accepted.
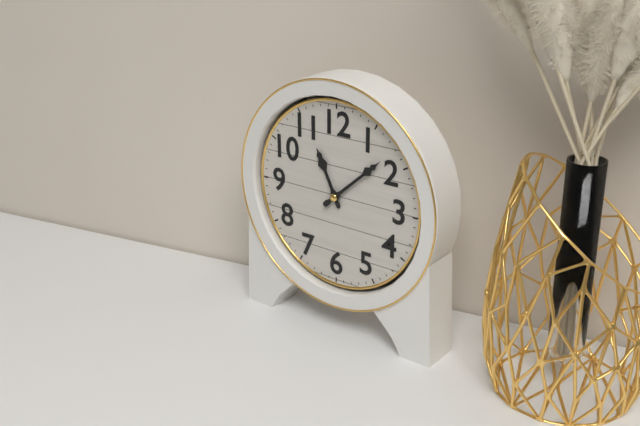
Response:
h=11 m=8
